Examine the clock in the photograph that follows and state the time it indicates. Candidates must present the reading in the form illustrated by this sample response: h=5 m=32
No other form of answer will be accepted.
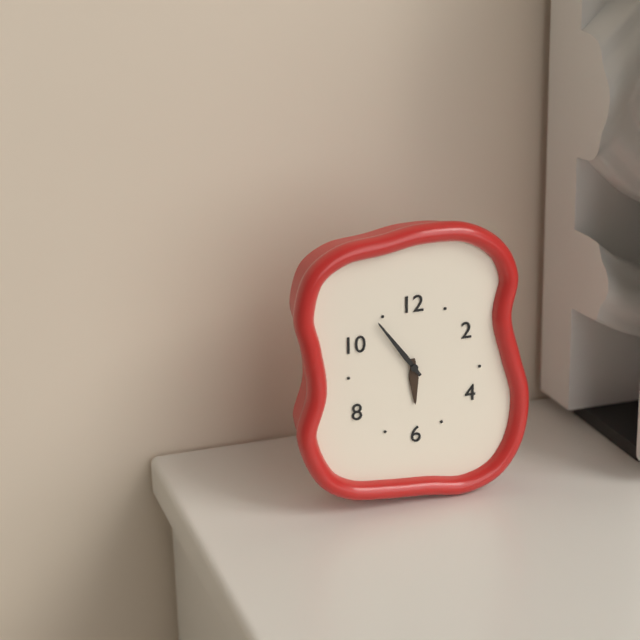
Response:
h=5 m=54
